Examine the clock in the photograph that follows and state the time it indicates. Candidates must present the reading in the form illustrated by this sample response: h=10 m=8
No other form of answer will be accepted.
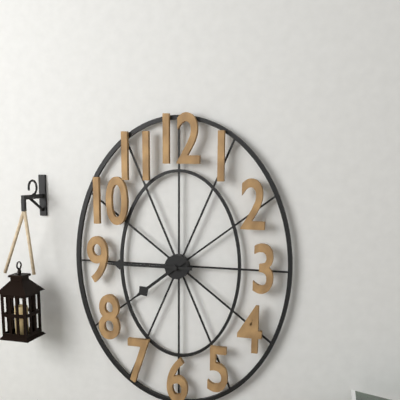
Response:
h=7 m=45
